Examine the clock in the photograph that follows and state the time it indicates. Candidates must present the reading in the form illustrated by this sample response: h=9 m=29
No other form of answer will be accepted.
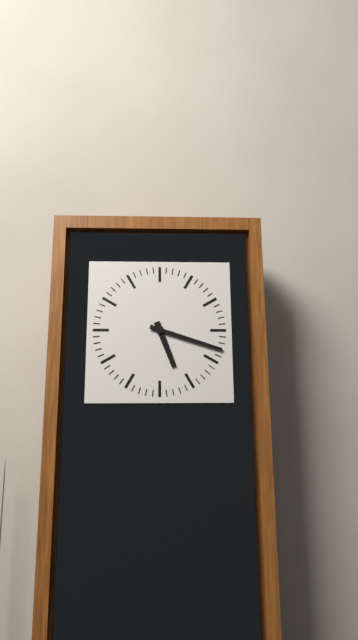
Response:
h=5 m=18
